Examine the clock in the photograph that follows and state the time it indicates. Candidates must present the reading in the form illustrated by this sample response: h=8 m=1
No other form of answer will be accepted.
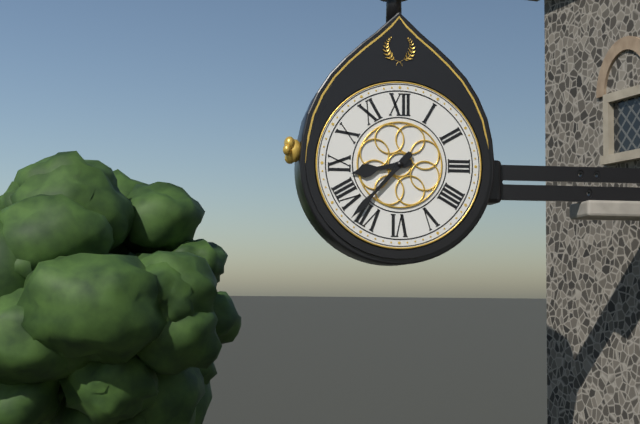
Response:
h=8 m=37
